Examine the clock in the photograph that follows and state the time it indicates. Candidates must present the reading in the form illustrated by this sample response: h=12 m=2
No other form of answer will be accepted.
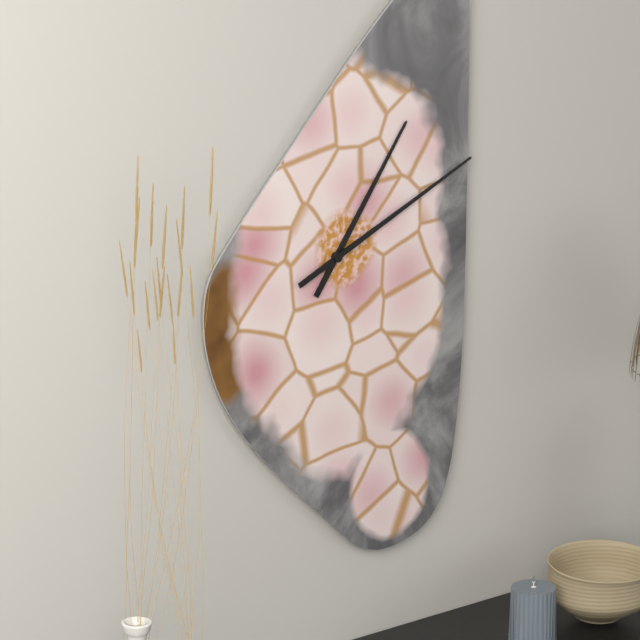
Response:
h=1 m=11
